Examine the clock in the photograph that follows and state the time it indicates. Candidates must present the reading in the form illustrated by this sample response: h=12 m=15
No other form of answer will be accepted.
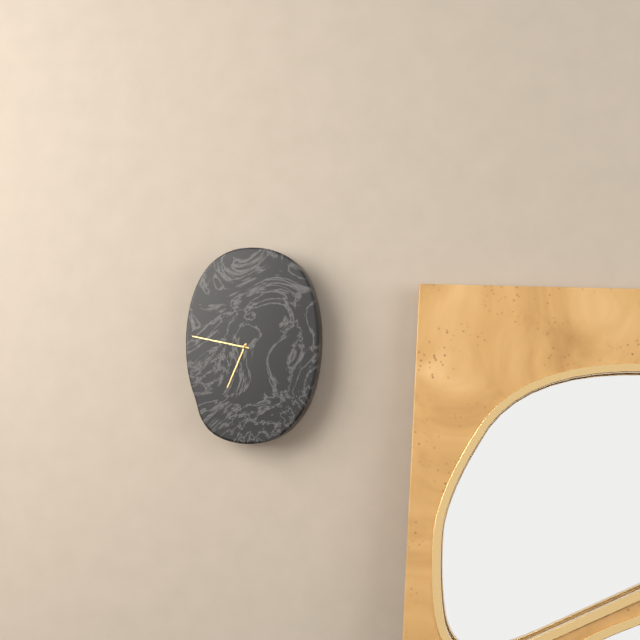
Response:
h=6 m=47
